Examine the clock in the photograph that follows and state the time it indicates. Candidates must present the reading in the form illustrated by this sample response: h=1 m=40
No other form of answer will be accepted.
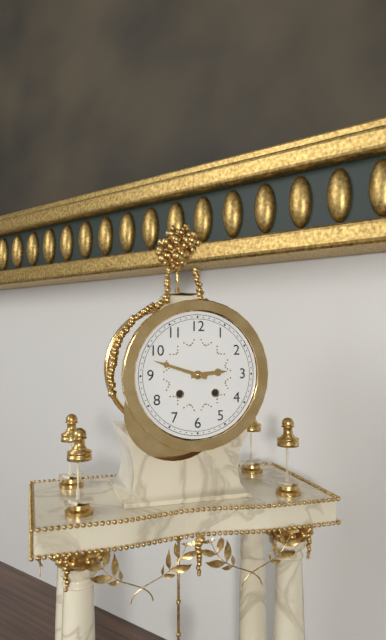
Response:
h=2 m=48
